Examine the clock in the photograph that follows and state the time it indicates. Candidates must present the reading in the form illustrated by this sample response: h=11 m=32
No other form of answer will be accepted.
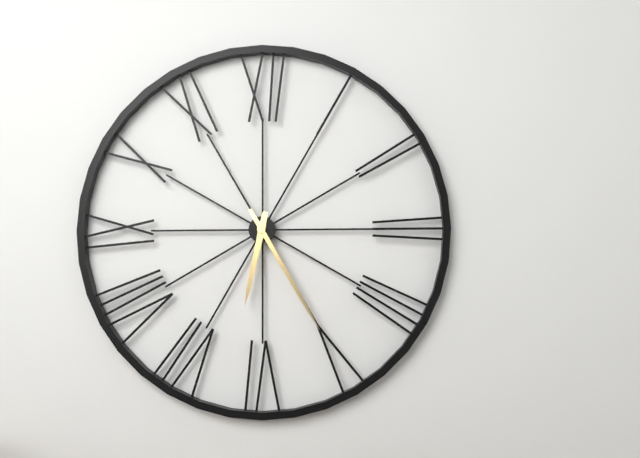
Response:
h=6 m=25
